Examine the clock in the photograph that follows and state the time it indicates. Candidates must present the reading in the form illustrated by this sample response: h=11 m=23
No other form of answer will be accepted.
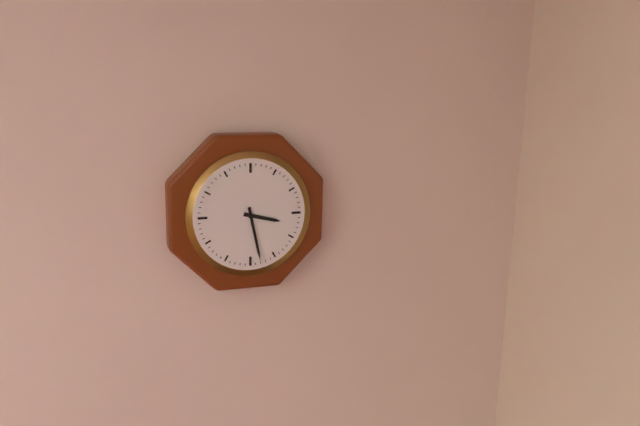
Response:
h=3 m=28
